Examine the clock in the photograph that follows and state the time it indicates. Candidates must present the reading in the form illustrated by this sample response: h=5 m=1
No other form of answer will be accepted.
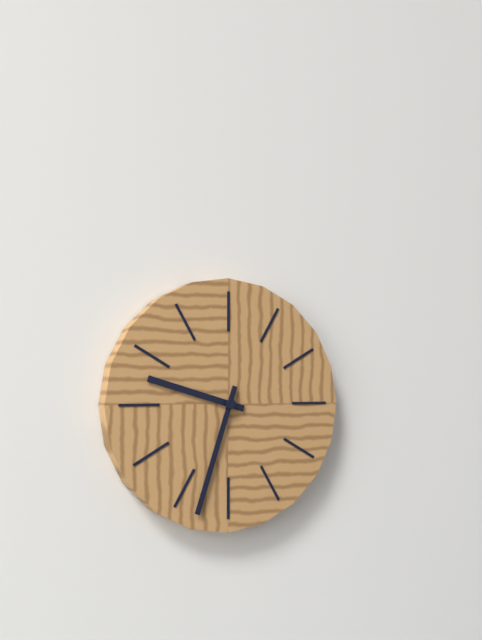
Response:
h=9 m=33
